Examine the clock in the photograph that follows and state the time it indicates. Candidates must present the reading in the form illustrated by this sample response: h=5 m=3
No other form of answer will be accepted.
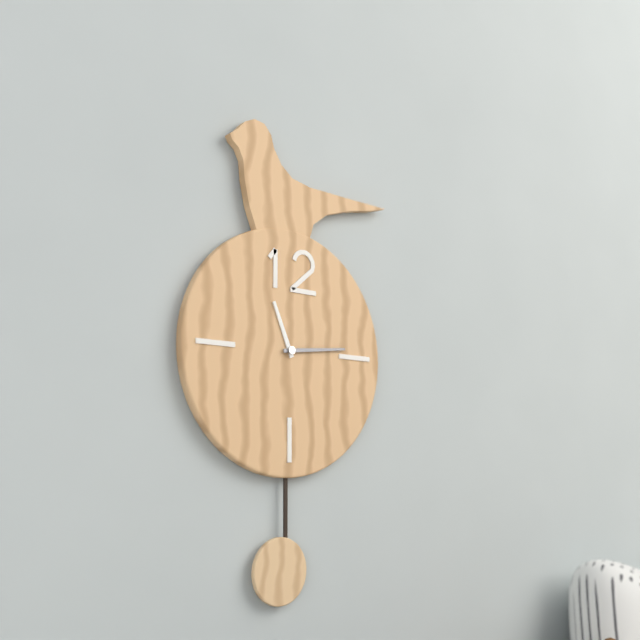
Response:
h=11 m=14
